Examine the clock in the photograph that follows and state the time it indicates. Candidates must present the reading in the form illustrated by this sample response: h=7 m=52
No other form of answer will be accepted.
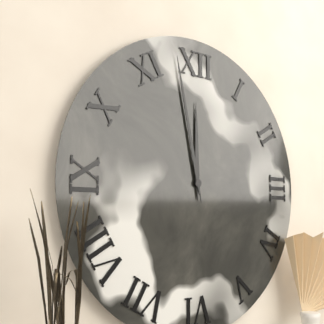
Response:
h=11 m=58
